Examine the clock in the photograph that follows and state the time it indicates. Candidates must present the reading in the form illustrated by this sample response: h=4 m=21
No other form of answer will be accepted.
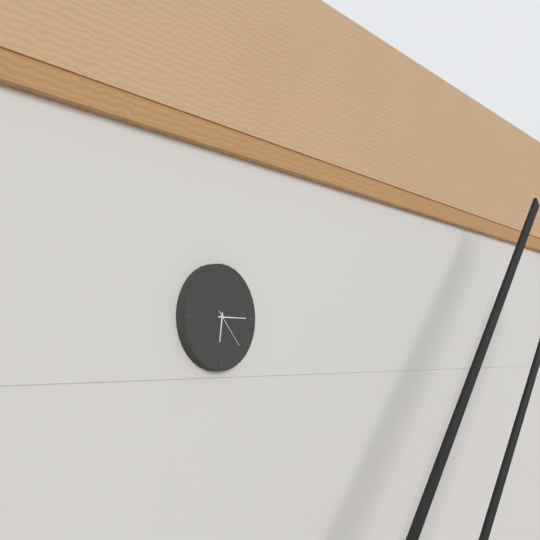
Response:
h=6 m=15
